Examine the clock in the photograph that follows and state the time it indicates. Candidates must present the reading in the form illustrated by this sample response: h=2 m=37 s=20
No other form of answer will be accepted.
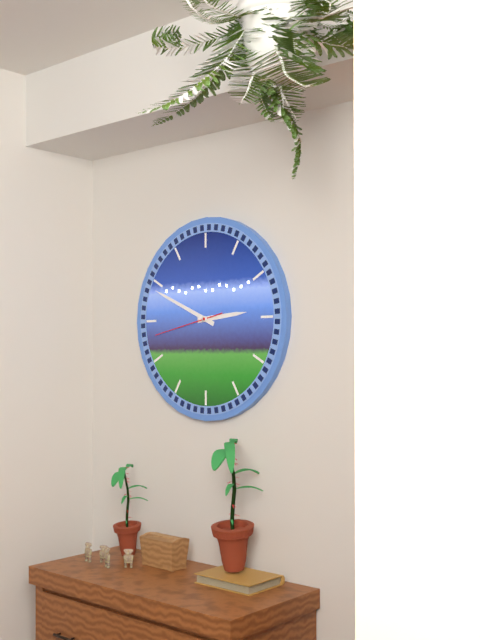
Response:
h=2 m=49 s=43
